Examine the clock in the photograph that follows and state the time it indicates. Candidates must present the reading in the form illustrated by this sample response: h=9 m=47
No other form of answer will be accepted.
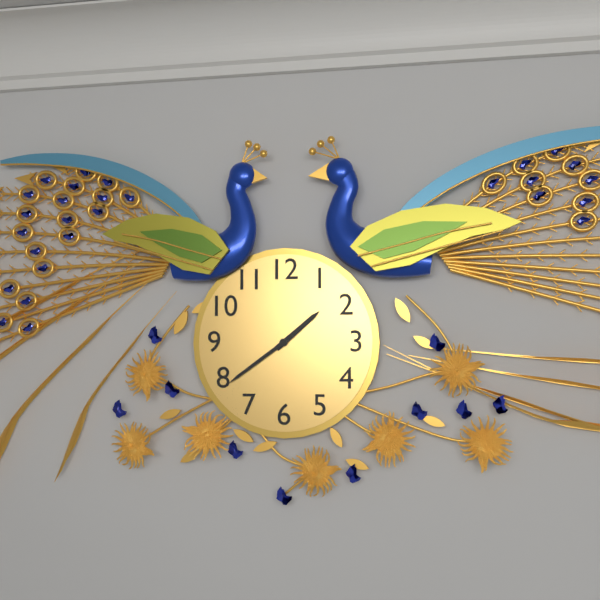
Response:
h=1 m=39
